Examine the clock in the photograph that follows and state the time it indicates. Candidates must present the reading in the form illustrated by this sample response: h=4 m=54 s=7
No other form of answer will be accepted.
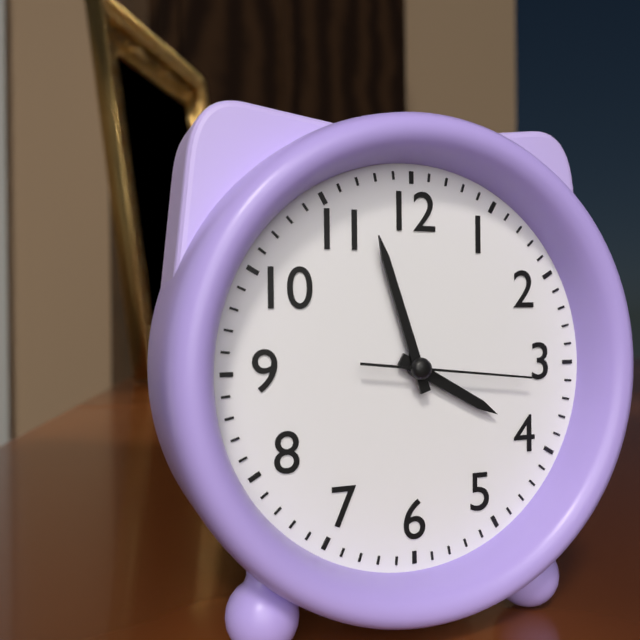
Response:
h=3 m=57 s=16
